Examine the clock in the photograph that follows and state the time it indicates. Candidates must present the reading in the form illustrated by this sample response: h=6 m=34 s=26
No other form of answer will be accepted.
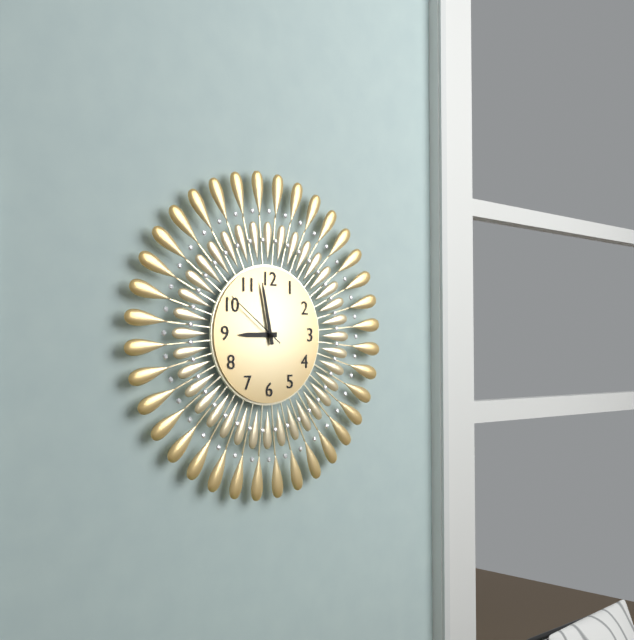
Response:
h=8 m=58 s=51
